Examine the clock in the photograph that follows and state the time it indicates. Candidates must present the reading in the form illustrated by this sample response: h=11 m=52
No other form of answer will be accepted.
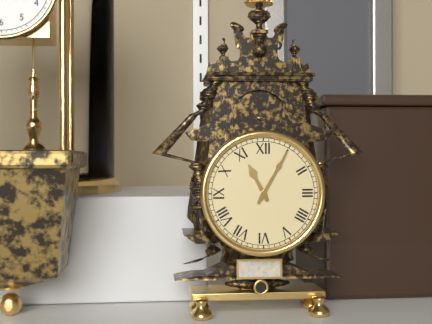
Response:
h=11 m=5
